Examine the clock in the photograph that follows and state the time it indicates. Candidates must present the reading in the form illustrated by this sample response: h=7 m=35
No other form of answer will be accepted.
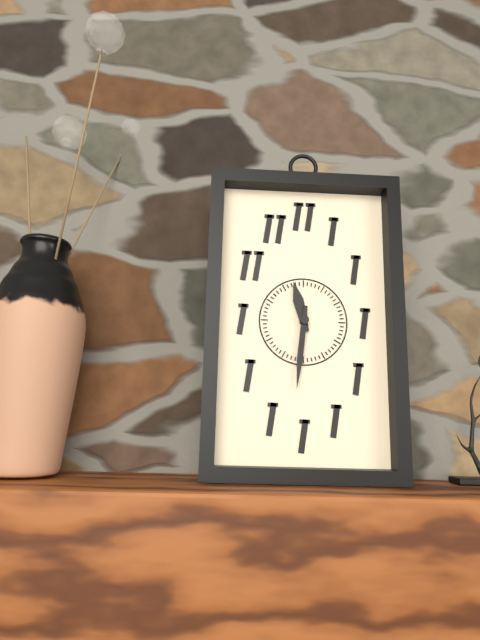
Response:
h=11 m=31
